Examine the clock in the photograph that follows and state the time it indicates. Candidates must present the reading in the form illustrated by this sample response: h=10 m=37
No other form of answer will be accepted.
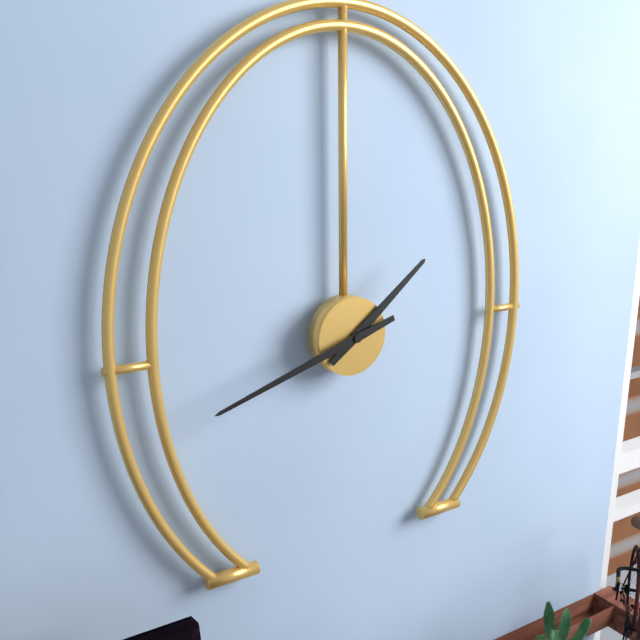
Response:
h=1 m=42
